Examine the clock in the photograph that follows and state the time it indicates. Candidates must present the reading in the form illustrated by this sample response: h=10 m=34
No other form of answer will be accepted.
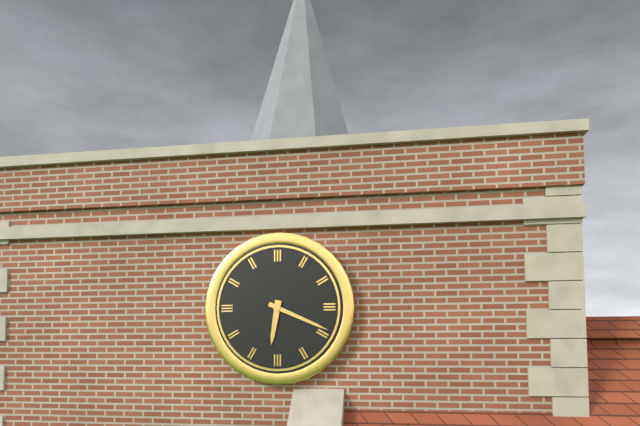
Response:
h=6 m=19
